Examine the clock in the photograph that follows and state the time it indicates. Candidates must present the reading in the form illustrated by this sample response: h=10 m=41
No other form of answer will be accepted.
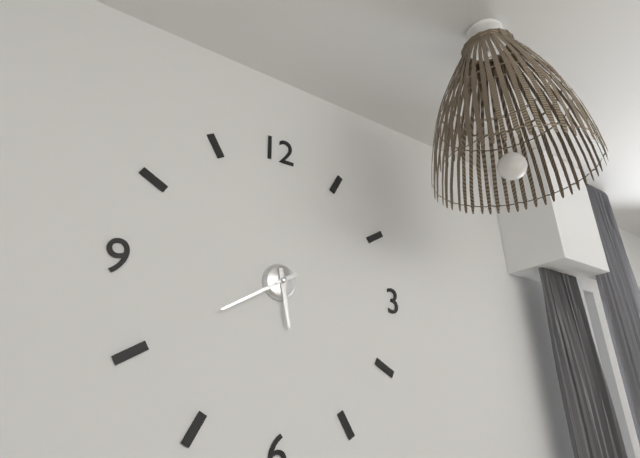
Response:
h=5 m=40
